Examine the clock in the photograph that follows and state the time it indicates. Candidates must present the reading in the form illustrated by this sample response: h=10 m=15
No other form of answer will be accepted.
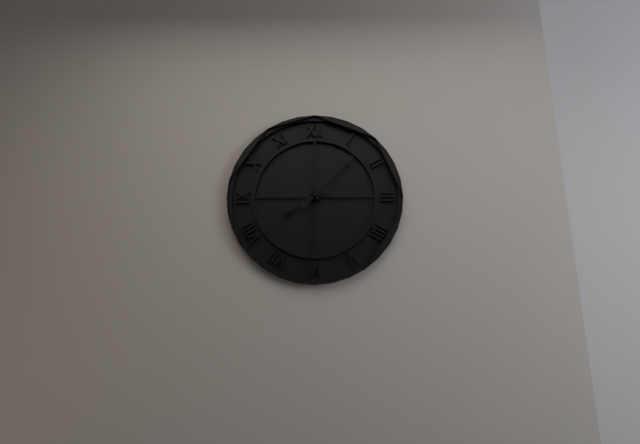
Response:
h=8 m=7
